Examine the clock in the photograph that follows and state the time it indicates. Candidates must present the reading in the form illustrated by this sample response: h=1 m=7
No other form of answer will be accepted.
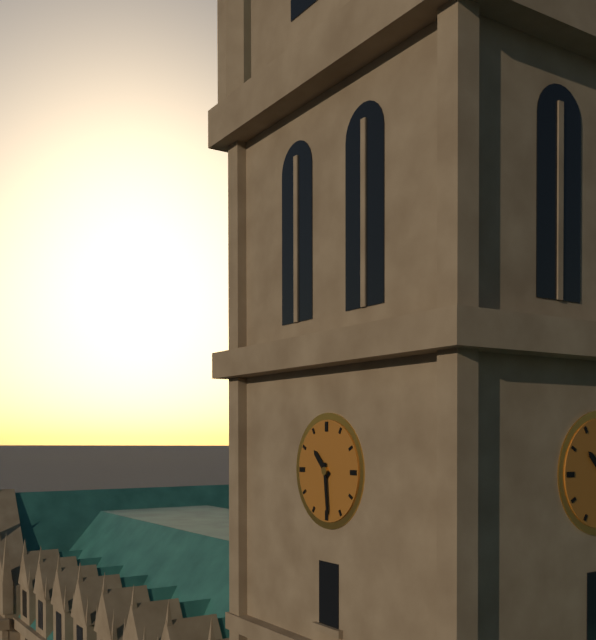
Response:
h=10 m=29
